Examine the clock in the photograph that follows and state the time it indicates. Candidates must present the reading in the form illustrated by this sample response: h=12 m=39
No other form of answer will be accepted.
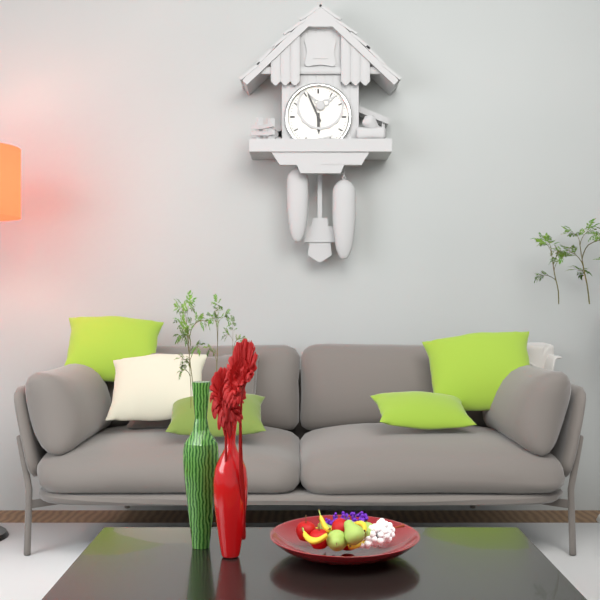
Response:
h=5 m=56
